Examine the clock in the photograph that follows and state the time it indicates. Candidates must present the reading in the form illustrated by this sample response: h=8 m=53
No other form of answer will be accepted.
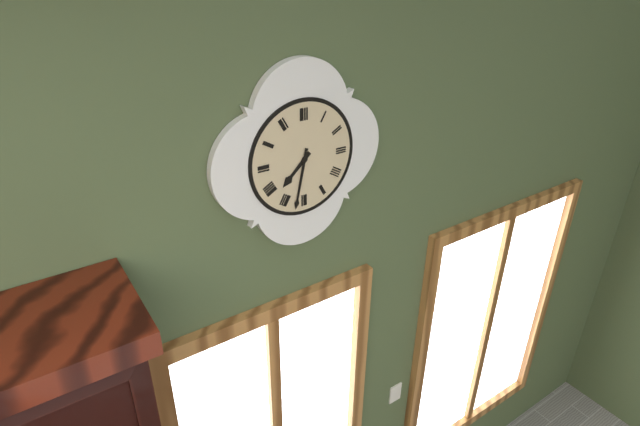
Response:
h=7 m=32
